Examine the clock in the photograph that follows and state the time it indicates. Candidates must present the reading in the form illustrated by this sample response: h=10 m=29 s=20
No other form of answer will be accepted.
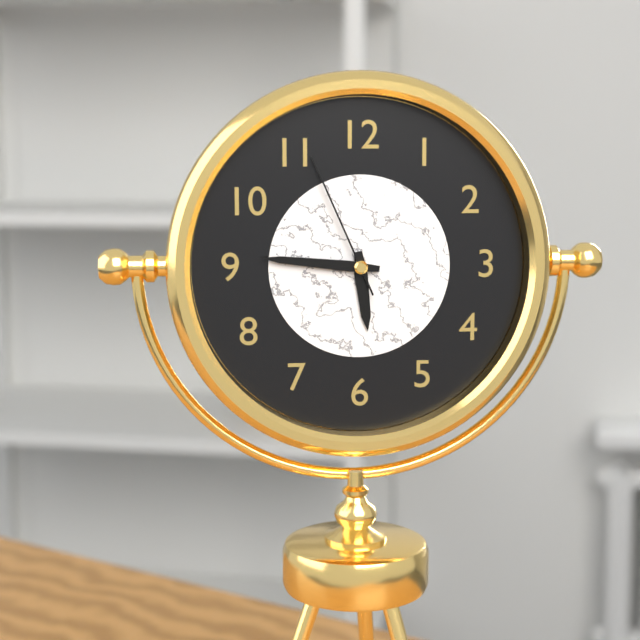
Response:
h=5 m=46 s=56
